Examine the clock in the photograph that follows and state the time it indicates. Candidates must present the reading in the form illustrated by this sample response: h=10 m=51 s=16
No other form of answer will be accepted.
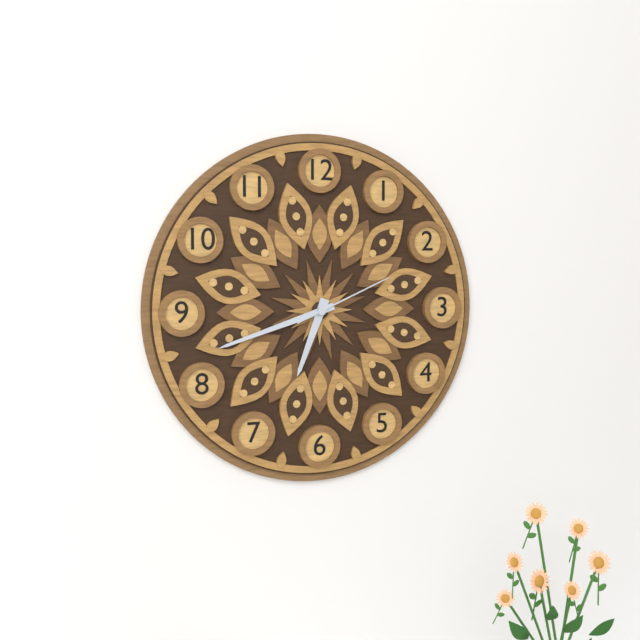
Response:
h=6 m=42 s=11
